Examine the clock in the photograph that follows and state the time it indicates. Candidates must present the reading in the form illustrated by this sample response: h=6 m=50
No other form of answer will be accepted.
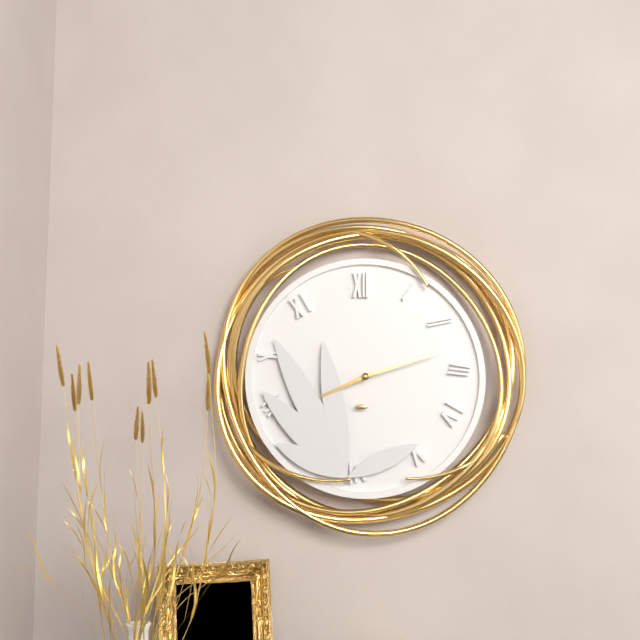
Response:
h=8 m=12
